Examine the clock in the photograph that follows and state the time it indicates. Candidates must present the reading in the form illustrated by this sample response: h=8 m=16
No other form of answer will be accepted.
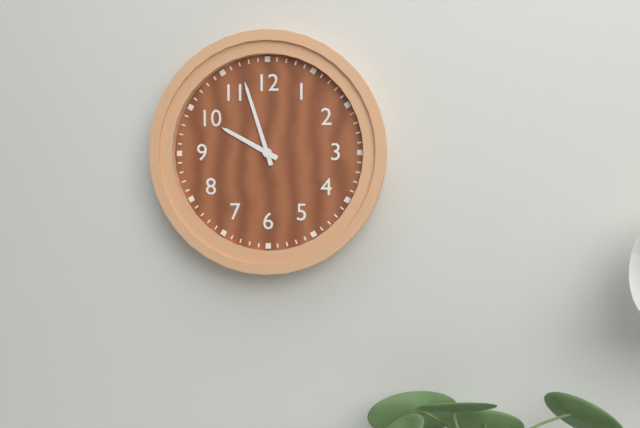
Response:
h=9 m=57
